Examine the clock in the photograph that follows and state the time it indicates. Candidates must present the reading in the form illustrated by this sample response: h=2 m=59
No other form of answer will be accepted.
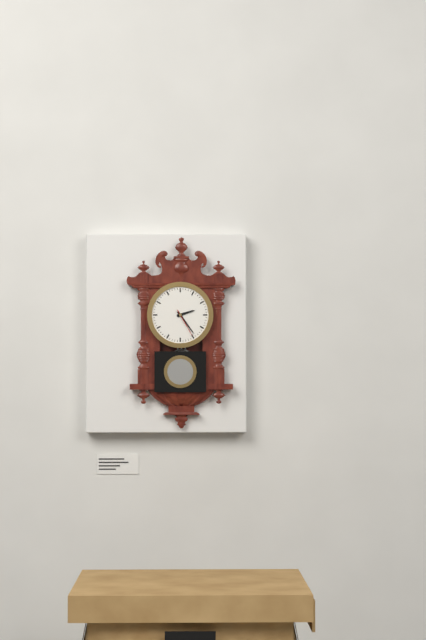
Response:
h=2 m=24
